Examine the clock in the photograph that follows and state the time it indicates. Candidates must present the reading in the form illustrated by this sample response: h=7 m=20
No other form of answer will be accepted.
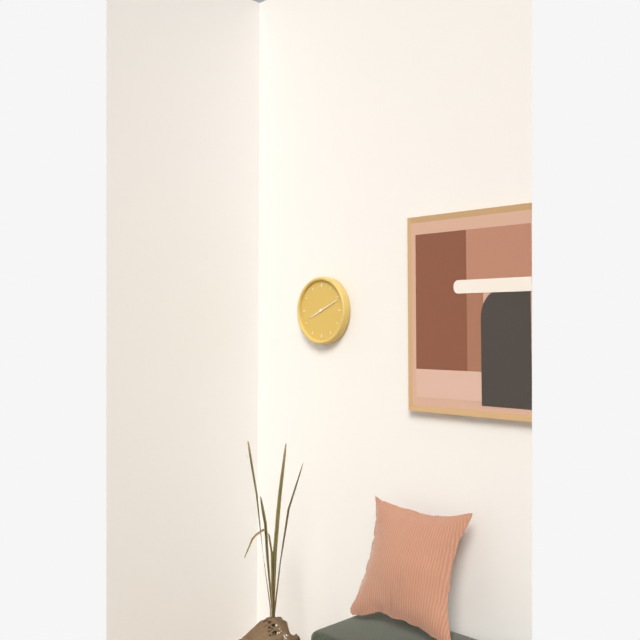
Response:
h=8 m=11
